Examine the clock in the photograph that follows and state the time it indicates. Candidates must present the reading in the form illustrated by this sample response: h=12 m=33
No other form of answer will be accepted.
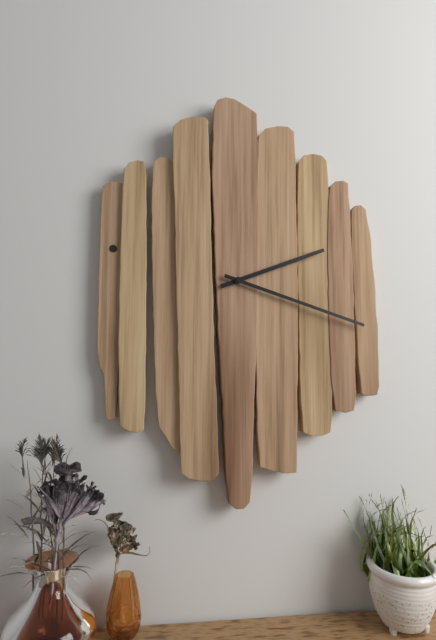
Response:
h=2 m=18
